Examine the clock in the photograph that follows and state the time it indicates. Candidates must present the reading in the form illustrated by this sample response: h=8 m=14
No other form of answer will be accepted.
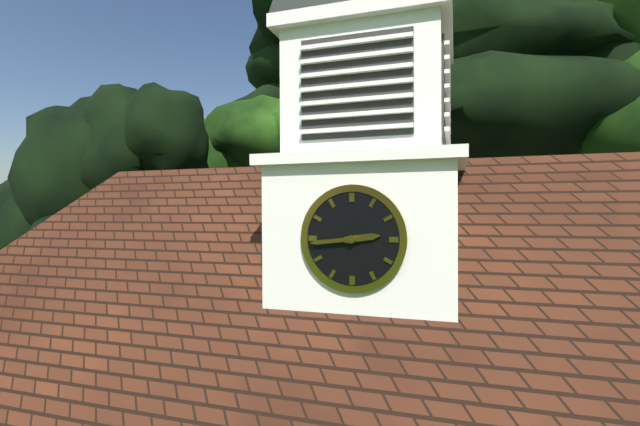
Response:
h=2 m=44
